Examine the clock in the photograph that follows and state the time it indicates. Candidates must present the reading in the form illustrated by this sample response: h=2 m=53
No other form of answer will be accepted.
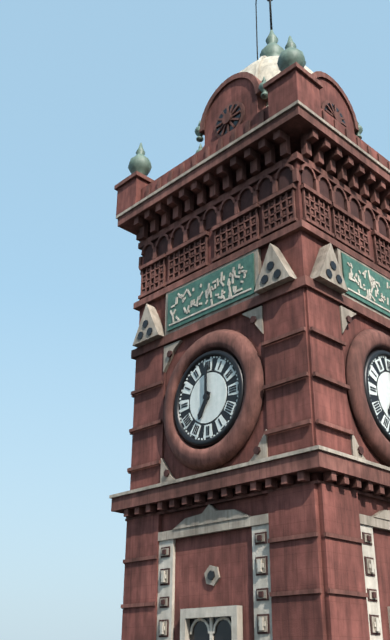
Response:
h=7 m=0
